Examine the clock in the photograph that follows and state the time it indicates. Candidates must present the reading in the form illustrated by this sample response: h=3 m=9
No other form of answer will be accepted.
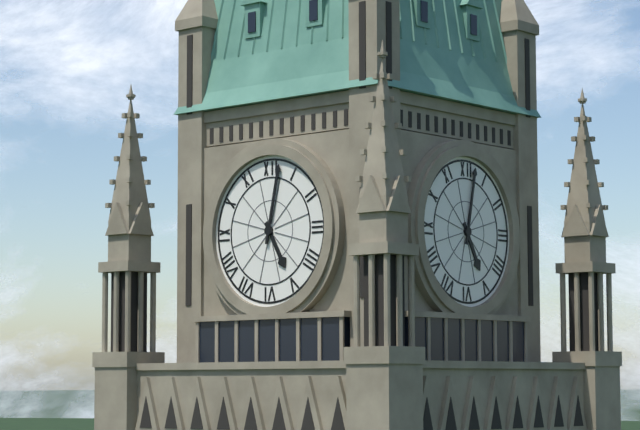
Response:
h=5 m=2
